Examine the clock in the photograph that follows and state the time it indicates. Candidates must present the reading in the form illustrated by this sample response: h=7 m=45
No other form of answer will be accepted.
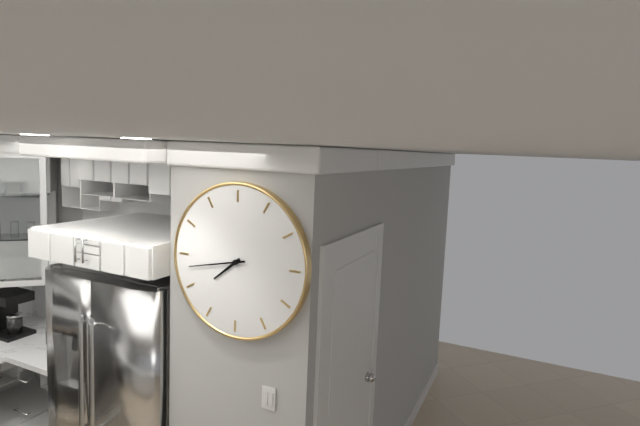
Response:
h=7 m=43
